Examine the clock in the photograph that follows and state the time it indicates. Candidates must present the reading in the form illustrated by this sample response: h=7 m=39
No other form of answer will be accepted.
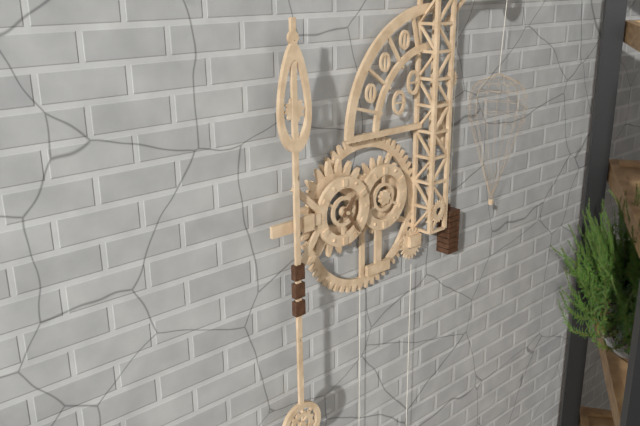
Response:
h=1 m=24
